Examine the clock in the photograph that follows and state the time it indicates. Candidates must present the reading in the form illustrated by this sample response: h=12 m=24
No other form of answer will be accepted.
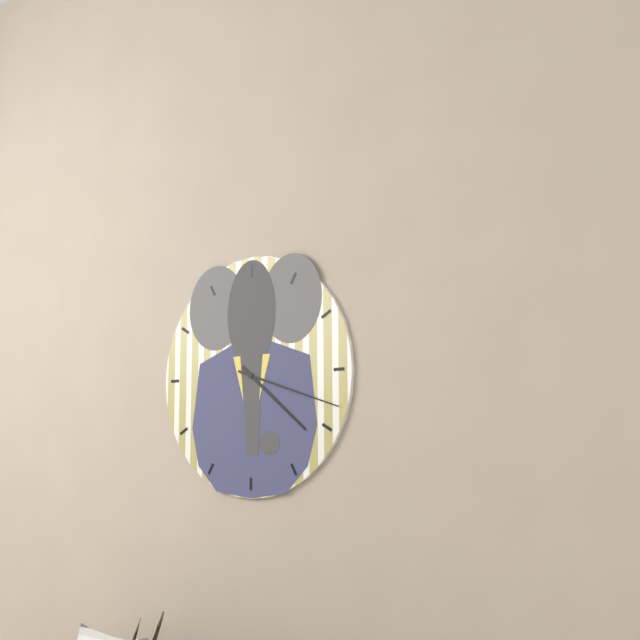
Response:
h=4 m=18
